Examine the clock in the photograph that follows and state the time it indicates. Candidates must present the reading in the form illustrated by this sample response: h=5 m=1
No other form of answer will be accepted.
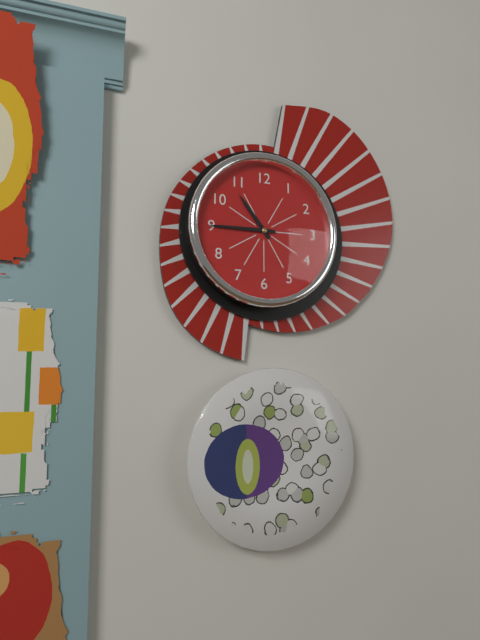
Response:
h=10 m=45
